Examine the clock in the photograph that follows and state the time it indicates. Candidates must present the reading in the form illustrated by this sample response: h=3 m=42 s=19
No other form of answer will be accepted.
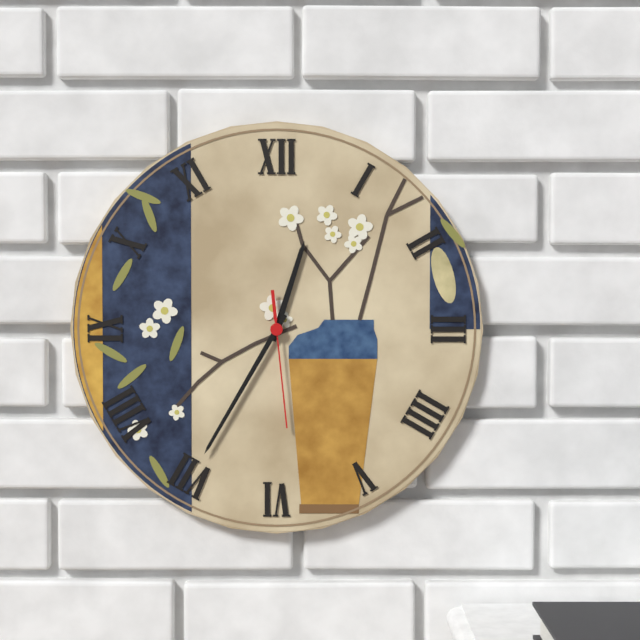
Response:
h=12 m=35 s=29
